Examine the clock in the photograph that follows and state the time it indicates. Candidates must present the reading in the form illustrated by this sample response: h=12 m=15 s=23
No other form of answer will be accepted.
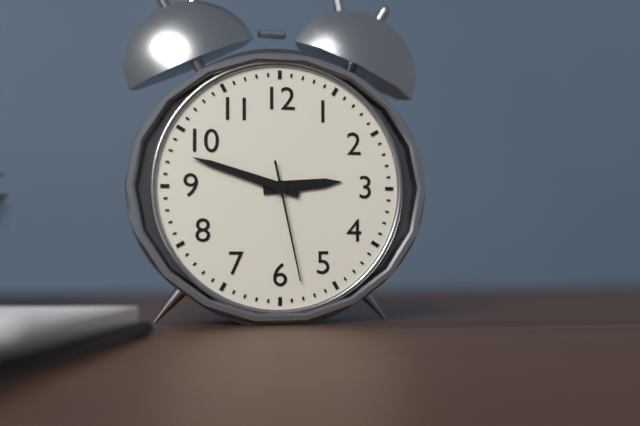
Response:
h=2 m=48 s=28
